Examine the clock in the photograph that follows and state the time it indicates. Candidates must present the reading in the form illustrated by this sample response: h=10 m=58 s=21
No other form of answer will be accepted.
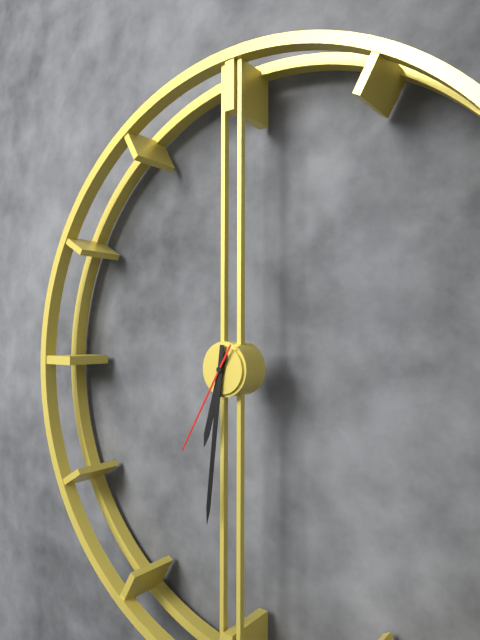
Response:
h=6 m=31 s=35
